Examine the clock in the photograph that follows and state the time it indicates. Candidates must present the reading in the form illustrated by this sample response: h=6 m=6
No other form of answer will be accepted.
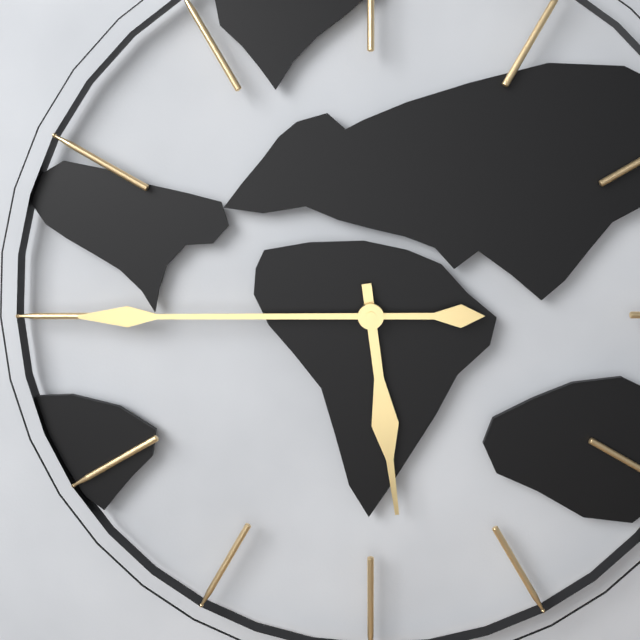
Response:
h=5 m=45
